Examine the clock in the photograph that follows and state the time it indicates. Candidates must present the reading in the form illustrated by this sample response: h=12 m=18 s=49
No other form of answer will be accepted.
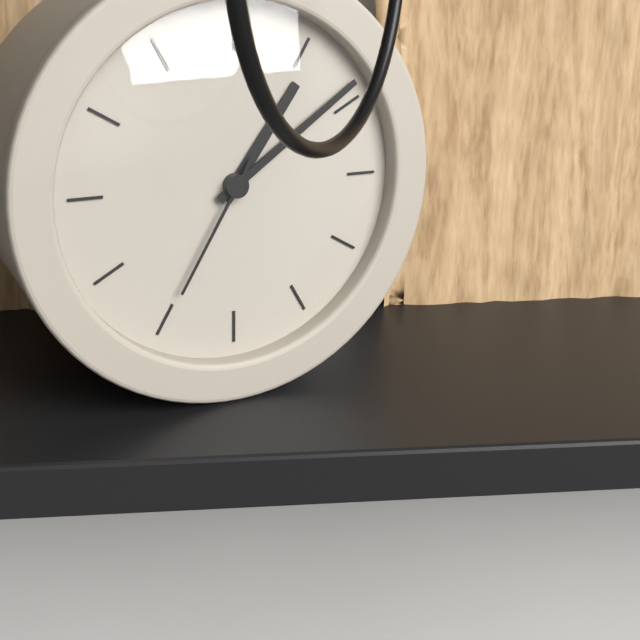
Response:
h=1 m=9 s=35
